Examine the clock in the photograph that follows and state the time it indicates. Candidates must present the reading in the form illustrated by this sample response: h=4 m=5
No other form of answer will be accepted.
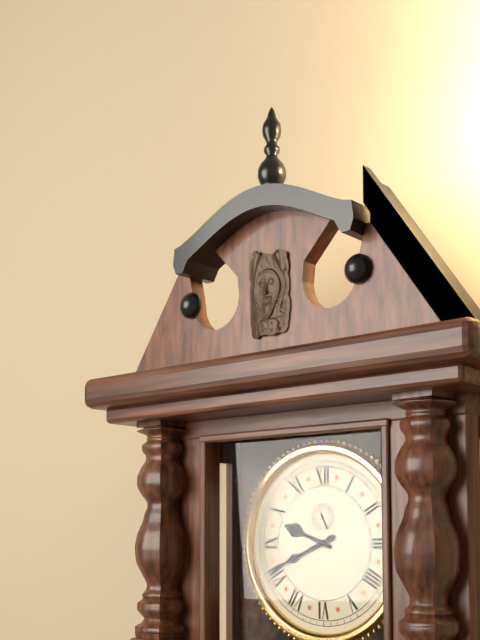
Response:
h=9 m=41
